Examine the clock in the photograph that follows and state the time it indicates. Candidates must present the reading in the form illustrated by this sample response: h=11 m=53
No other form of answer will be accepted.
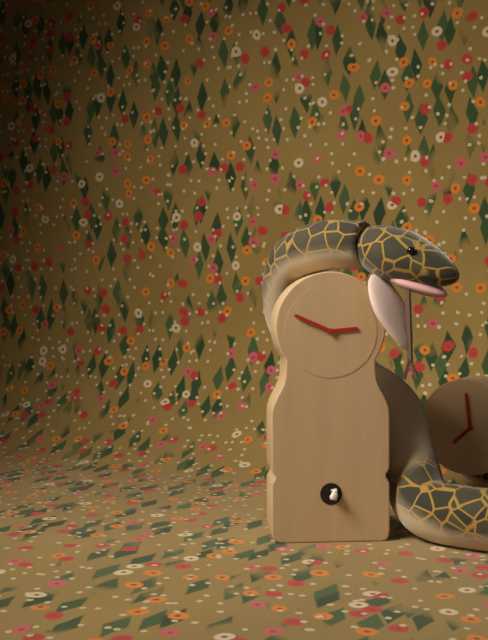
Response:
h=2 m=49
